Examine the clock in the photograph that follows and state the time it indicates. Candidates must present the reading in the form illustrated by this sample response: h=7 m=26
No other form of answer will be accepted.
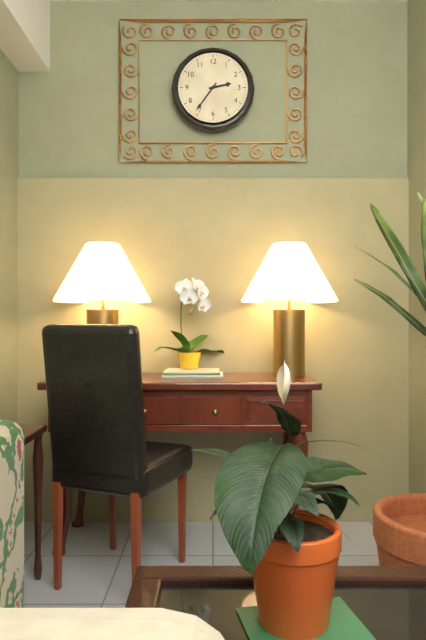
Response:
h=2 m=36
